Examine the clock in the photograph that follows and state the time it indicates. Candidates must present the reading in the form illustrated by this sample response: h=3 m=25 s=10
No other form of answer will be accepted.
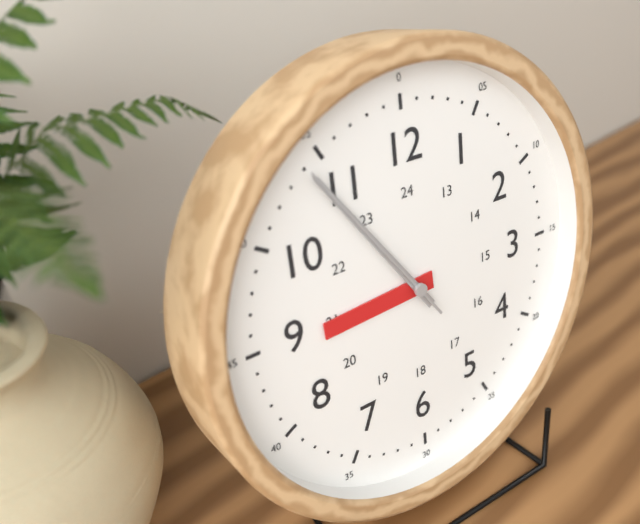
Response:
h=8 m=54 s=54
